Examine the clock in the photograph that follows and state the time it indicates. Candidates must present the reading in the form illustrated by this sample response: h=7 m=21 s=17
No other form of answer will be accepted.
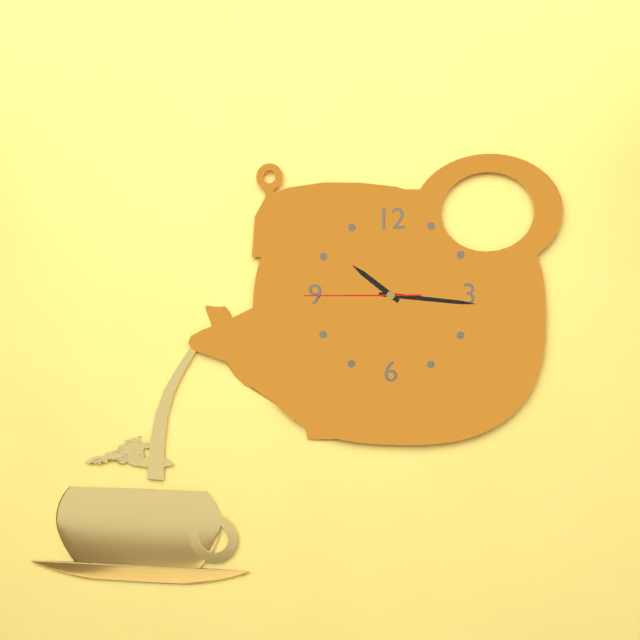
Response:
h=10 m=16 s=45
